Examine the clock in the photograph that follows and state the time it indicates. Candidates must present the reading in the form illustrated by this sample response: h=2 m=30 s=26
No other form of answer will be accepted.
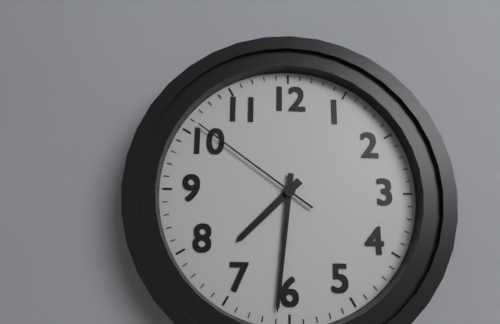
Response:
h=7 m=31 s=51
